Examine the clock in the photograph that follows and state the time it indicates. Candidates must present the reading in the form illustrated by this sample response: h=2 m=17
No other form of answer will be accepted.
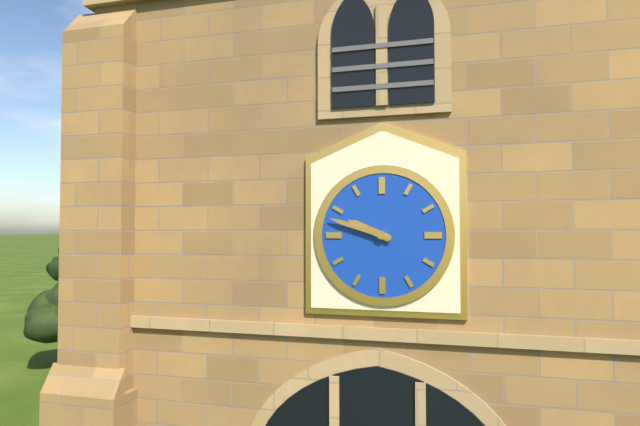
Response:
h=9 m=48
